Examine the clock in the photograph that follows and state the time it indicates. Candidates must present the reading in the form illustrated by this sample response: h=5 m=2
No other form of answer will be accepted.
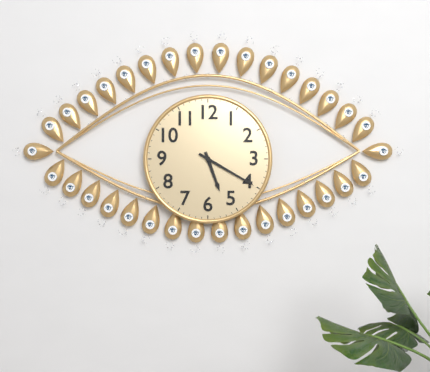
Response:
h=5 m=20
